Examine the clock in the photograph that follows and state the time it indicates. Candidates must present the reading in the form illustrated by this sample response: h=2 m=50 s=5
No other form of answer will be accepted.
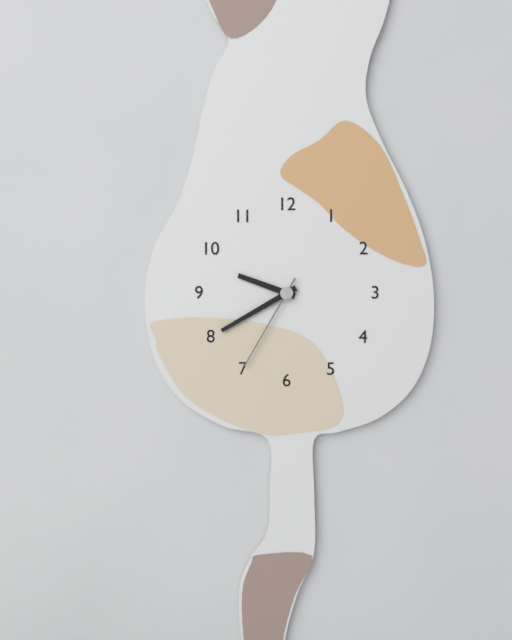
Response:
h=9 m=40 s=35
